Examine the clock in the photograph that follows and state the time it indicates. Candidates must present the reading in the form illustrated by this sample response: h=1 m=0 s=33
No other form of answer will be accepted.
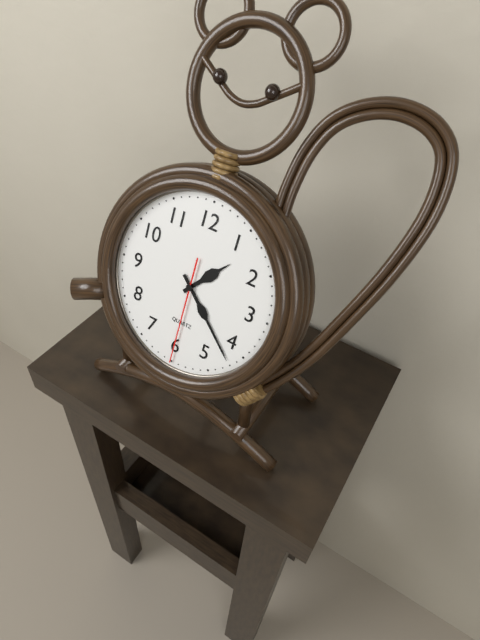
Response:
h=1 m=22 s=30
